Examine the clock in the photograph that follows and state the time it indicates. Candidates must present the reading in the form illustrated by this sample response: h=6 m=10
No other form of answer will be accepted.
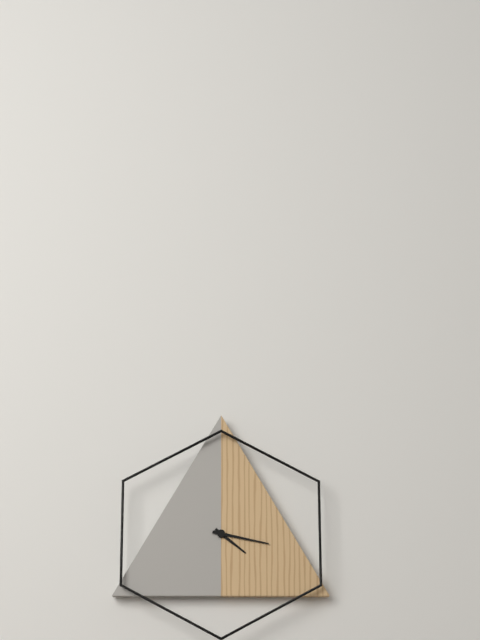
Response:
h=4 m=17
